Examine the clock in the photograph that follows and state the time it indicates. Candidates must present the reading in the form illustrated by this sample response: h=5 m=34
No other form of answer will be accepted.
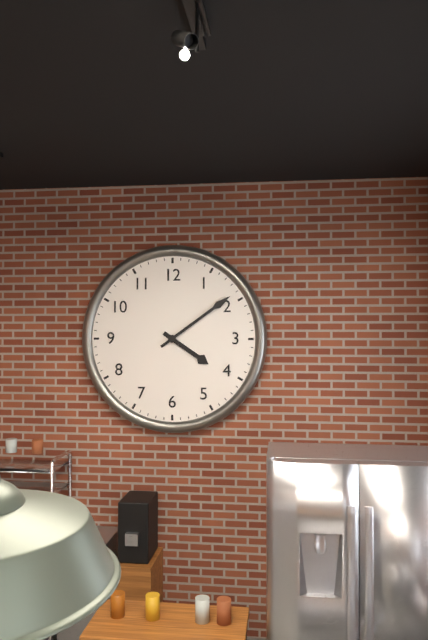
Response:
h=4 m=9
